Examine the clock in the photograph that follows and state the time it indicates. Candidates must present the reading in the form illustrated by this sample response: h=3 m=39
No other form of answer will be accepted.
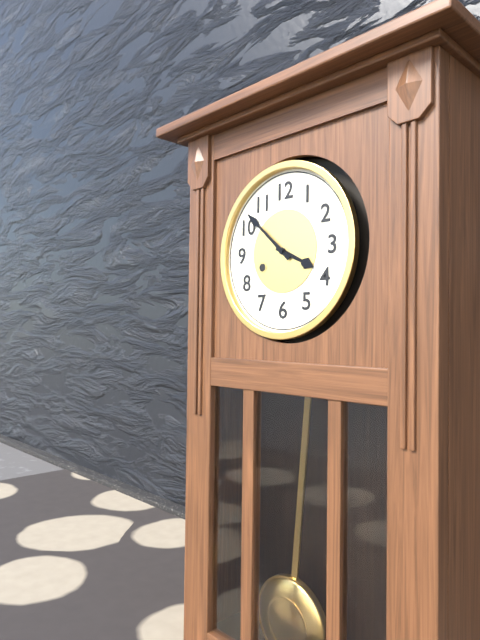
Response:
h=3 m=52
